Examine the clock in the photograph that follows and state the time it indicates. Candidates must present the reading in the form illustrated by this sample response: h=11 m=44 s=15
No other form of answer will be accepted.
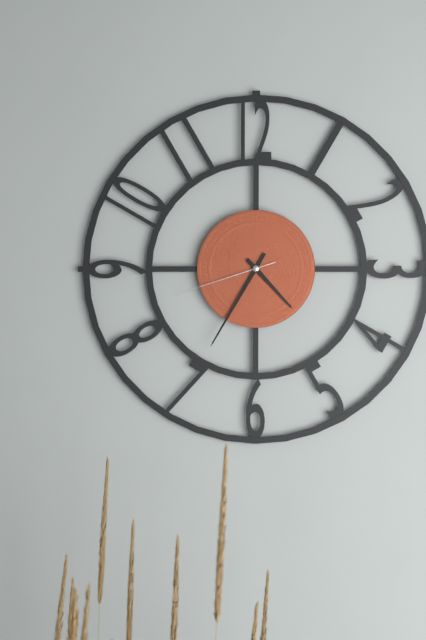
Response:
h=4 m=35 s=42
